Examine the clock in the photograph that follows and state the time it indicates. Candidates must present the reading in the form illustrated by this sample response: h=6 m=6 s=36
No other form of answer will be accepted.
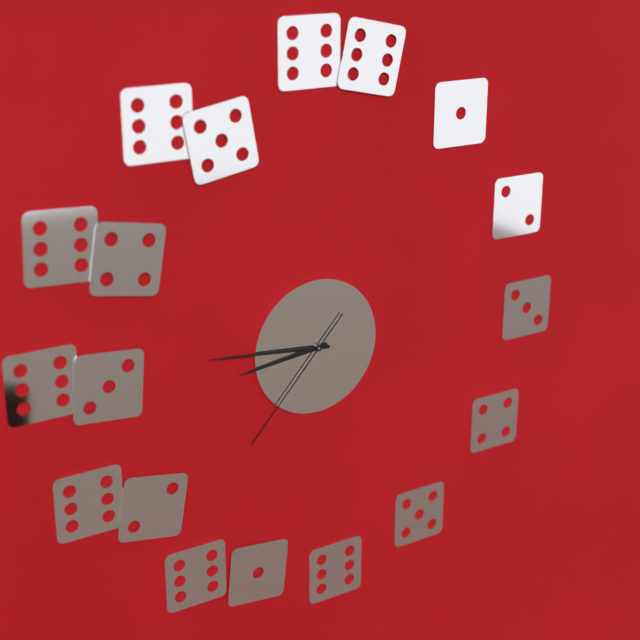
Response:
h=8 m=46 s=37
